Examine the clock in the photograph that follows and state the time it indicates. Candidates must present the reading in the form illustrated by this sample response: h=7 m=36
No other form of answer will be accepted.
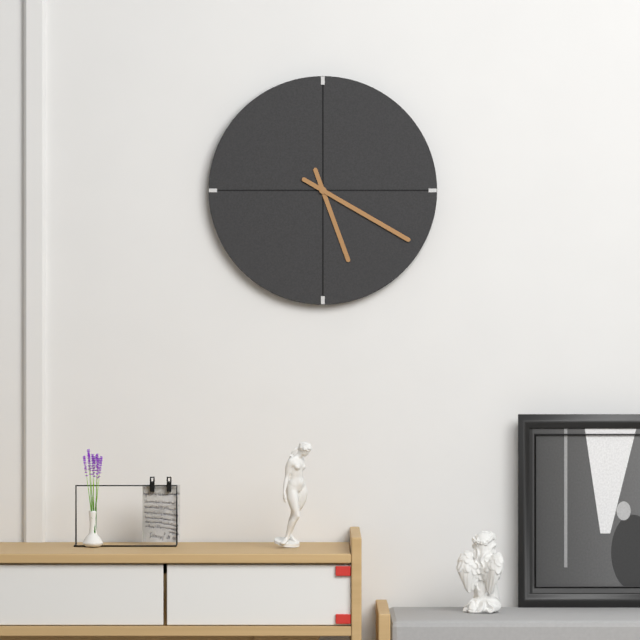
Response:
h=5 m=20
